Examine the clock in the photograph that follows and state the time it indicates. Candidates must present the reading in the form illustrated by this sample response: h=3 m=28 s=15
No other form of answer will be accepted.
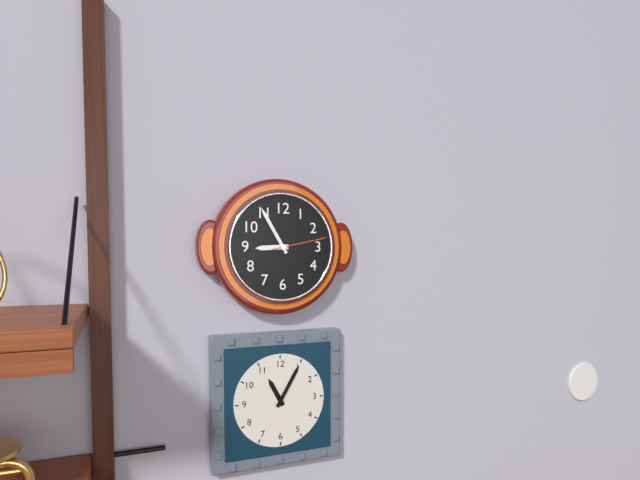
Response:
h=8 m=55 s=13
